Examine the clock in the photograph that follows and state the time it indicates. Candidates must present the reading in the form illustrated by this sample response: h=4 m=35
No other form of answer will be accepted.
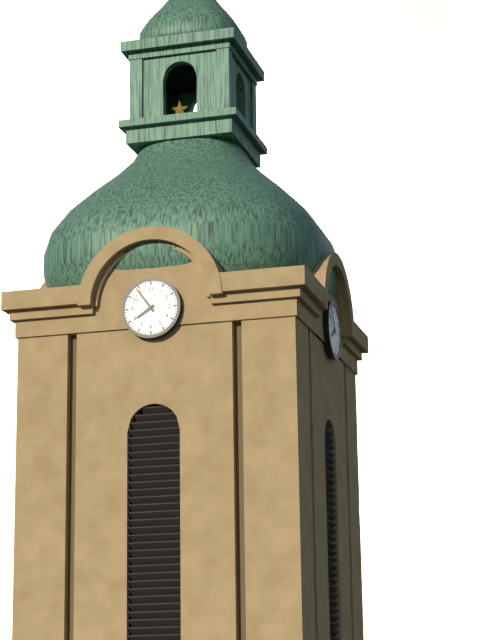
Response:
h=7 m=54
